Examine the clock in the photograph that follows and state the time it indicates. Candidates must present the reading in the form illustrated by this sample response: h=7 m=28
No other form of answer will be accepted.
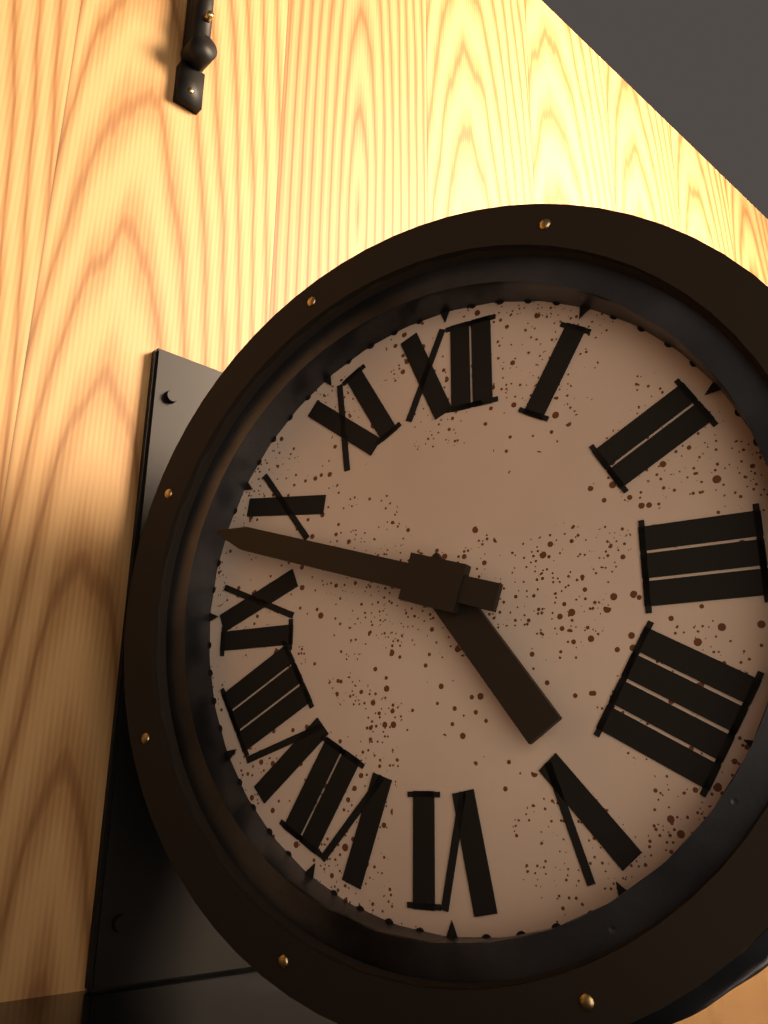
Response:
h=4 m=48
